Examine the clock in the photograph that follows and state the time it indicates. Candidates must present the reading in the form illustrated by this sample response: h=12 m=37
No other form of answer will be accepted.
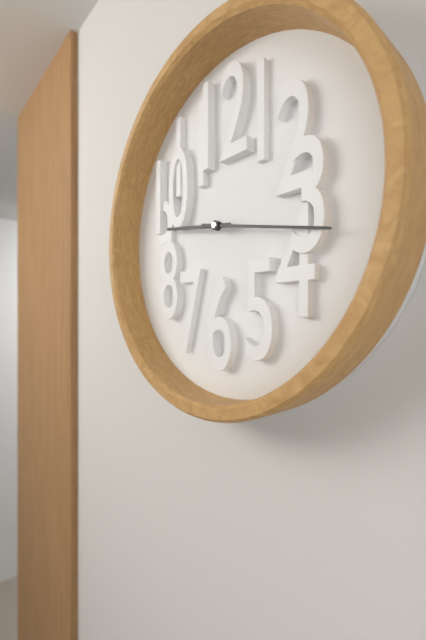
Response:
h=9 m=17
